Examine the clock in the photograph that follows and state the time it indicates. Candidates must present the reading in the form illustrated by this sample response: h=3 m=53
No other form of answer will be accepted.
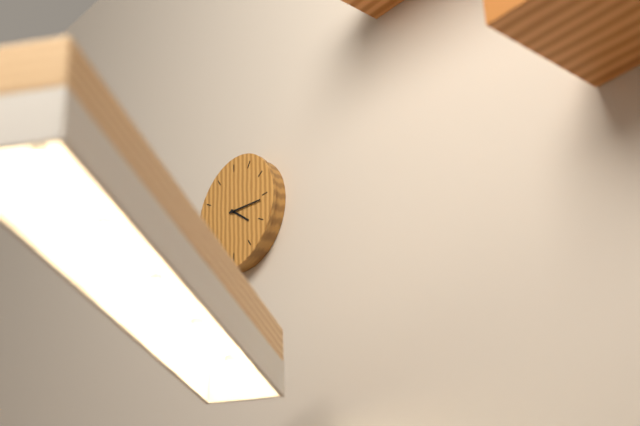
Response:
h=4 m=16
